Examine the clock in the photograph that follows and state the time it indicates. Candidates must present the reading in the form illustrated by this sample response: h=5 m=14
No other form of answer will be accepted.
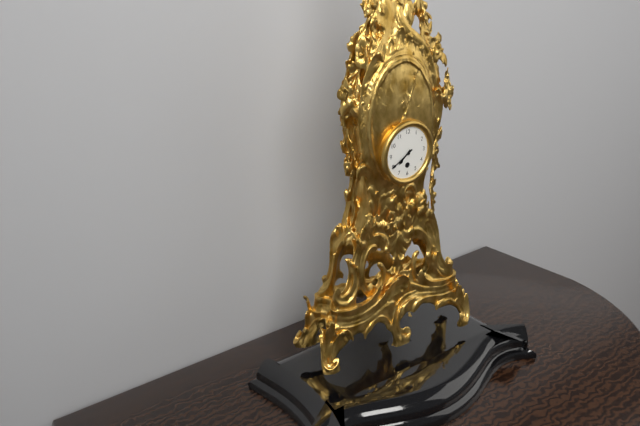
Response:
h=7 m=40
